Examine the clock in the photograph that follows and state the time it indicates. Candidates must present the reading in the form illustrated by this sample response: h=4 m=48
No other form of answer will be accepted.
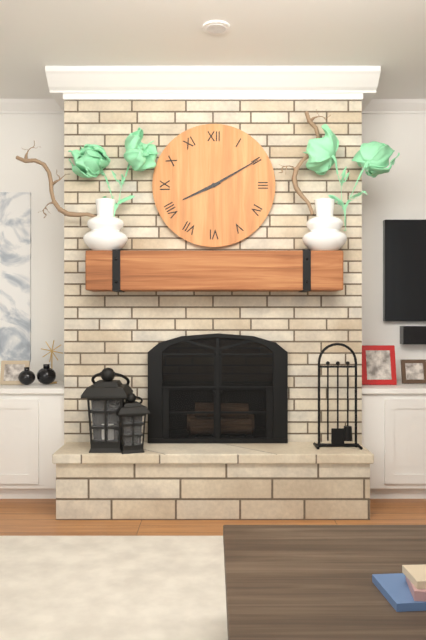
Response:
h=8 m=10
